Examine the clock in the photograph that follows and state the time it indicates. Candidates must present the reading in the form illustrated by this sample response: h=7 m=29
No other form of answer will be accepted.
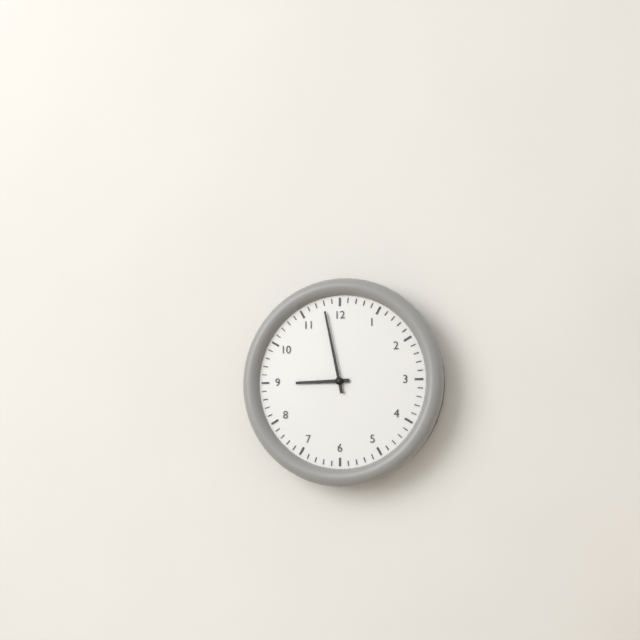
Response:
h=8 m=58
